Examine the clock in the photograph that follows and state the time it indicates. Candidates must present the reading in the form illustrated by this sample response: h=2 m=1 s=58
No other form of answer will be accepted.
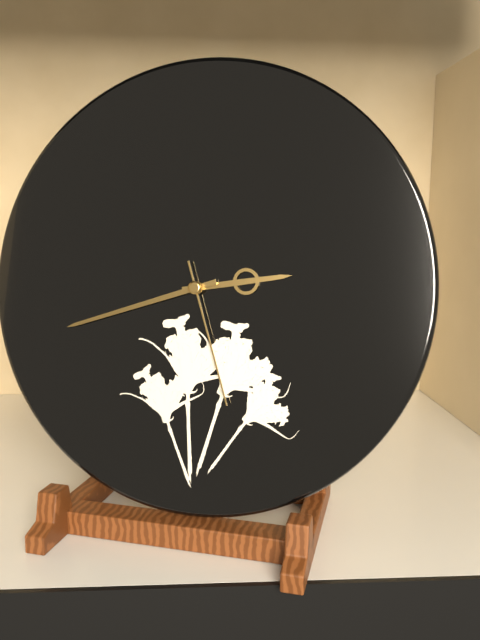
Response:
h=2 m=42 s=27
